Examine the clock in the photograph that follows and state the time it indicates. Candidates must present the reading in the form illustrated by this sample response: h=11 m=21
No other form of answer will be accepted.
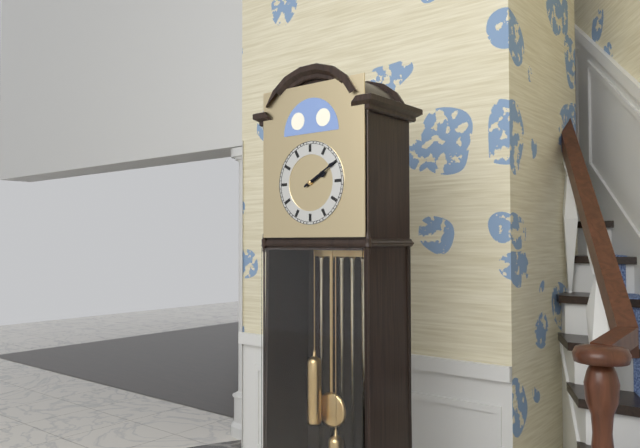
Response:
h=2 m=10
